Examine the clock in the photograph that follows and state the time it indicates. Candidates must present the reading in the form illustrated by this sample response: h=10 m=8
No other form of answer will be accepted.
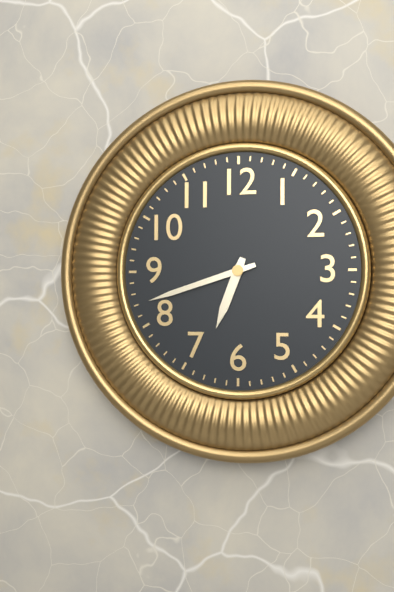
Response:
h=6 m=42
